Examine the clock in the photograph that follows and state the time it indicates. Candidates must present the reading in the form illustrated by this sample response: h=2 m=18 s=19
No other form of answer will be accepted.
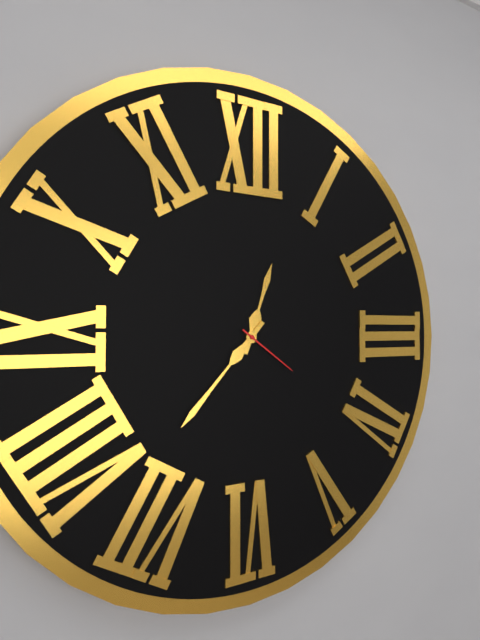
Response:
h=12 m=37 s=21
